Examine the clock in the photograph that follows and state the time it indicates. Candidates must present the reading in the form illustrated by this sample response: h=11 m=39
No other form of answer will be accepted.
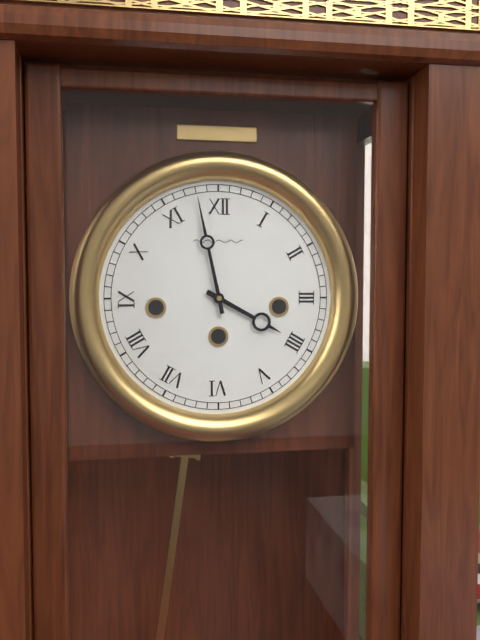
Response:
h=3 m=58
